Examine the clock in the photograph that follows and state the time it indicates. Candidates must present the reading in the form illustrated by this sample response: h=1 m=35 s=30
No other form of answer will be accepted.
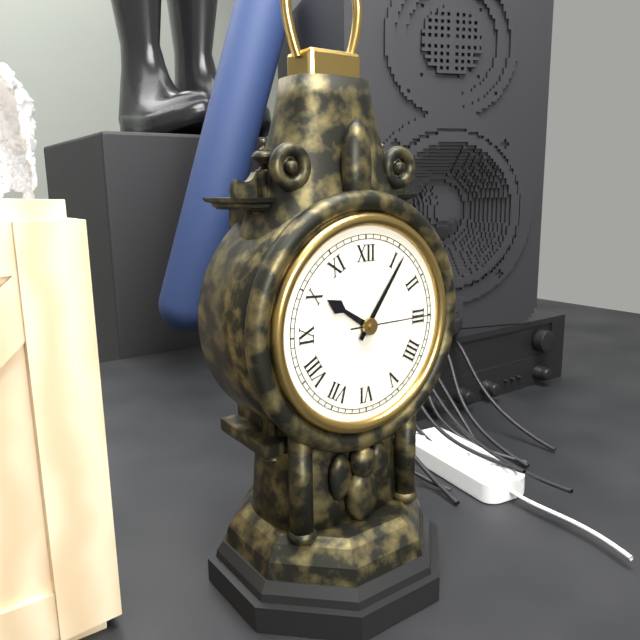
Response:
h=10 m=6 s=15
